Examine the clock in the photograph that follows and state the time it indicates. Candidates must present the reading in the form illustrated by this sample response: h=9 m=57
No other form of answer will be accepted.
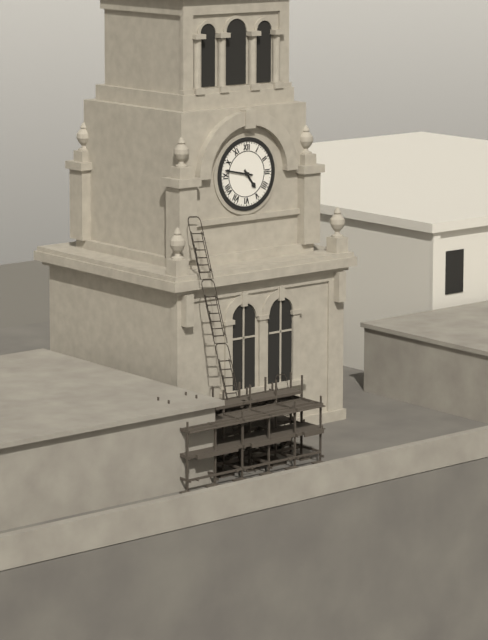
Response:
h=4 m=47
